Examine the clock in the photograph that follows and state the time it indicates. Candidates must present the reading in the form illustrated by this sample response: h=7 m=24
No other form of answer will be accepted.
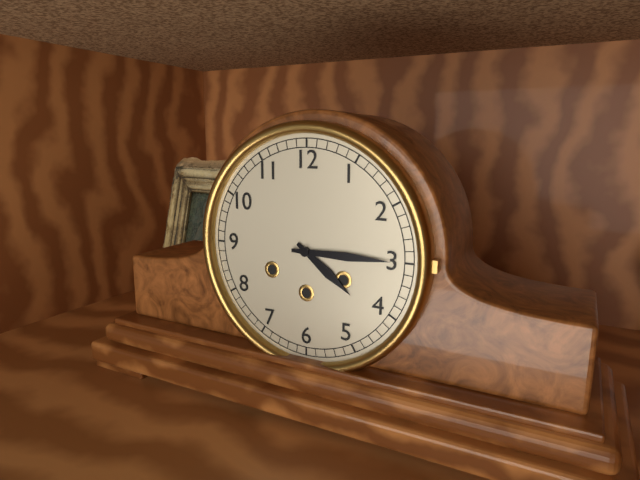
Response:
h=4 m=15
